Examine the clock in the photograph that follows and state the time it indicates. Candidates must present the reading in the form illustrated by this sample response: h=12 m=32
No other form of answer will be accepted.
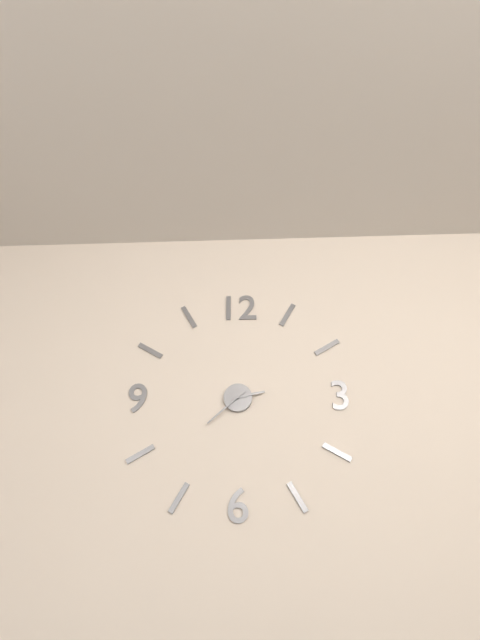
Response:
h=2 m=38
